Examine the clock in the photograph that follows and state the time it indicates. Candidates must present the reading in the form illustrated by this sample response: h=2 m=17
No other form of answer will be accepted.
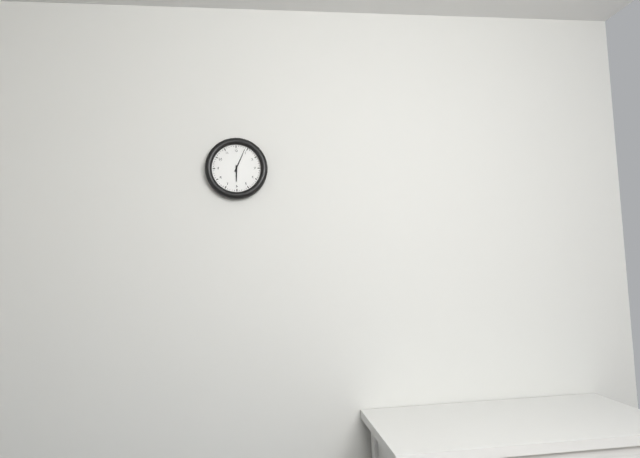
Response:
h=6 m=4
